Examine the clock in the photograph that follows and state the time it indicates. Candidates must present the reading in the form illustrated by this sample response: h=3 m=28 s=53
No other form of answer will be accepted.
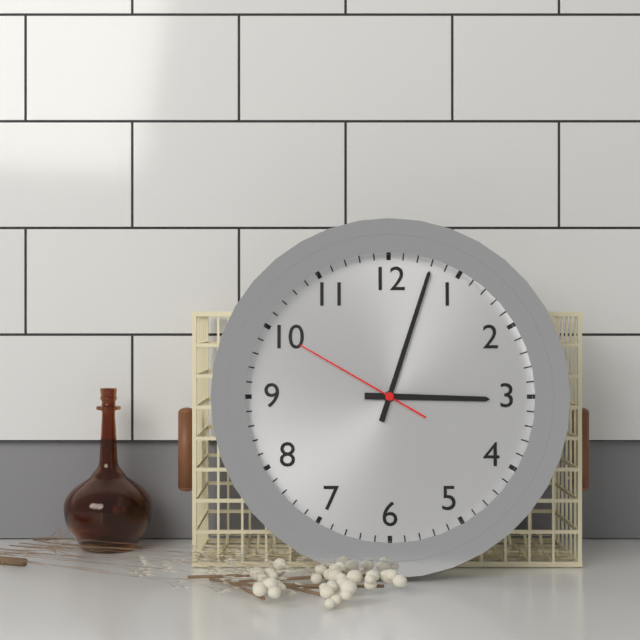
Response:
h=3 m=3 s=50
